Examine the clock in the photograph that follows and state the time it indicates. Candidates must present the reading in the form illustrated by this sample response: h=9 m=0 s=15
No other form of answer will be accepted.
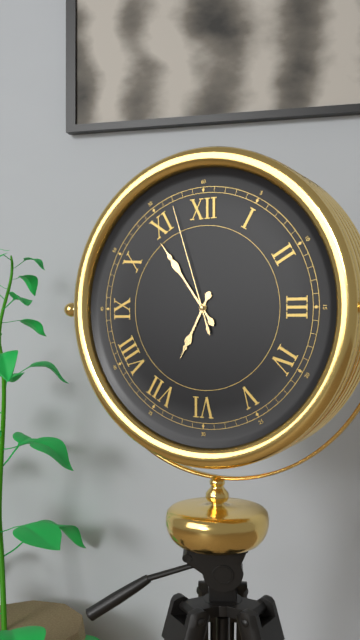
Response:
h=6 m=54 s=57
